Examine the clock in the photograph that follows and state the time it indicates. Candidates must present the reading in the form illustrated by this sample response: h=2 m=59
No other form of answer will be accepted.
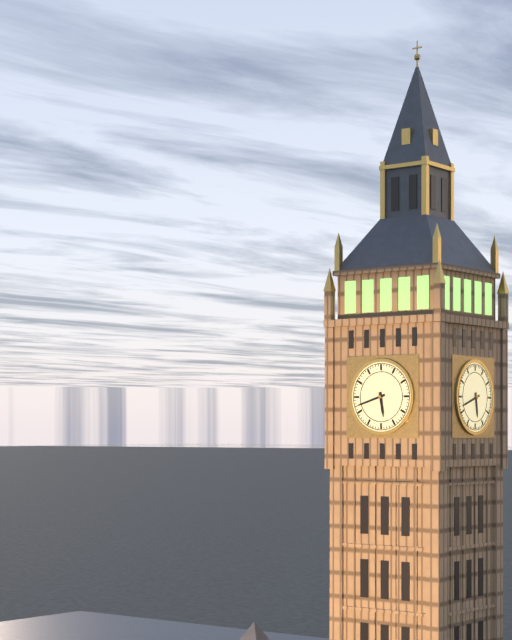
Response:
h=5 m=42
